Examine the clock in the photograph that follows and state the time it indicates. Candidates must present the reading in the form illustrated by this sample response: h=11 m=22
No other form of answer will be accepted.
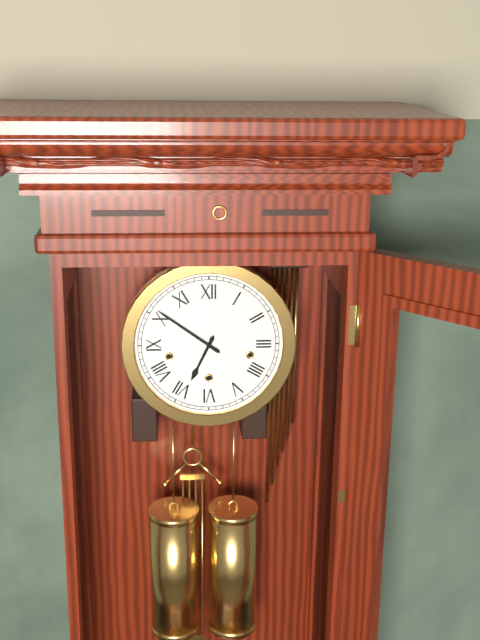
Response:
h=6 m=51
